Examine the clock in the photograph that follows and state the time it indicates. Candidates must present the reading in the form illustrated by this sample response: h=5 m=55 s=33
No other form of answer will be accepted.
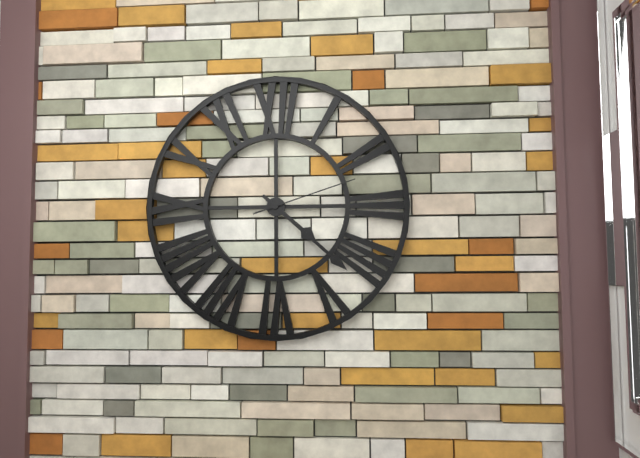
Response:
h=4 m=22 s=12
